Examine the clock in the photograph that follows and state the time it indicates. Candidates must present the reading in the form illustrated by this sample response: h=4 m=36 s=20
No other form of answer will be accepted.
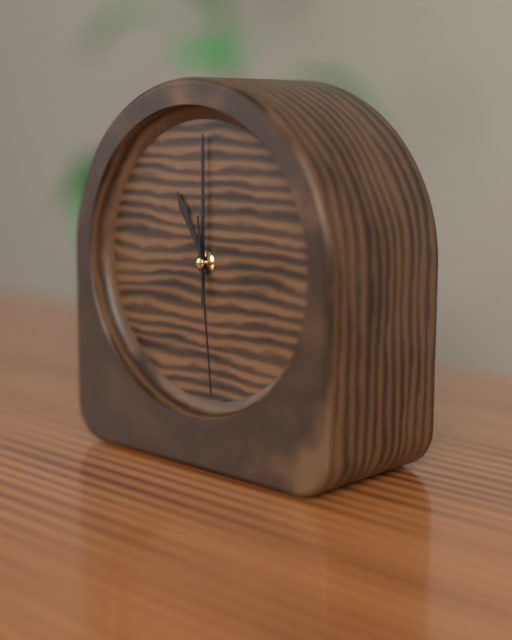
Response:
h=11 m=0 s=29
